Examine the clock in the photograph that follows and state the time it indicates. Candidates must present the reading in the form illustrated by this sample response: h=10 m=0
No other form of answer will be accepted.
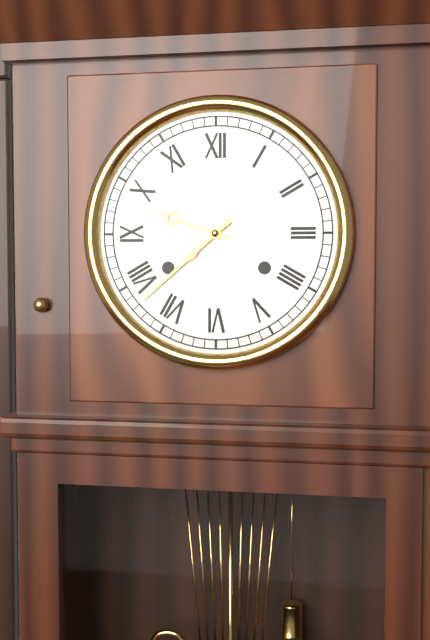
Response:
h=9 m=38
